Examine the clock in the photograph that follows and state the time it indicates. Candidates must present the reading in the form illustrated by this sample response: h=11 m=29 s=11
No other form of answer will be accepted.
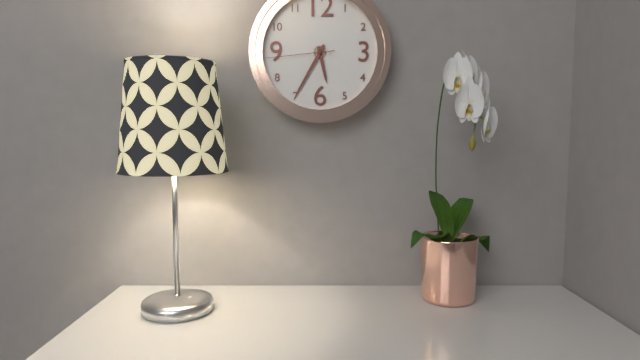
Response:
h=5 m=35 s=44
